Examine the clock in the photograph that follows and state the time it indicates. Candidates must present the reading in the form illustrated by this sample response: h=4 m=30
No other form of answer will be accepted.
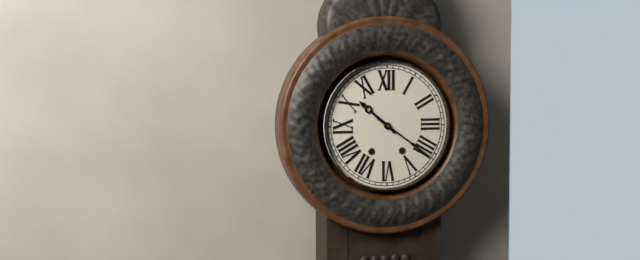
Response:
h=10 m=21
